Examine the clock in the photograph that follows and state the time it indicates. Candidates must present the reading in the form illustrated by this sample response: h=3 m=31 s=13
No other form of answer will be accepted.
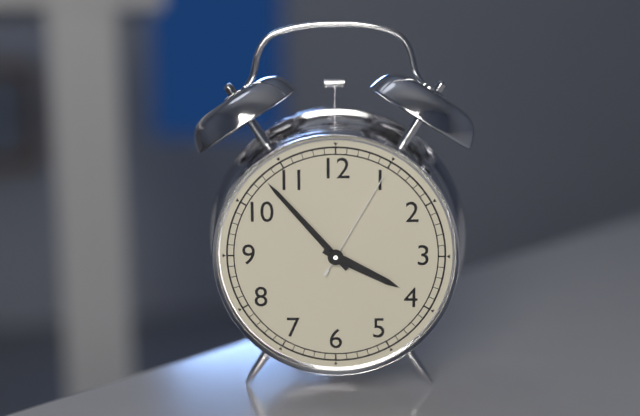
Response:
h=3 m=53 s=5
